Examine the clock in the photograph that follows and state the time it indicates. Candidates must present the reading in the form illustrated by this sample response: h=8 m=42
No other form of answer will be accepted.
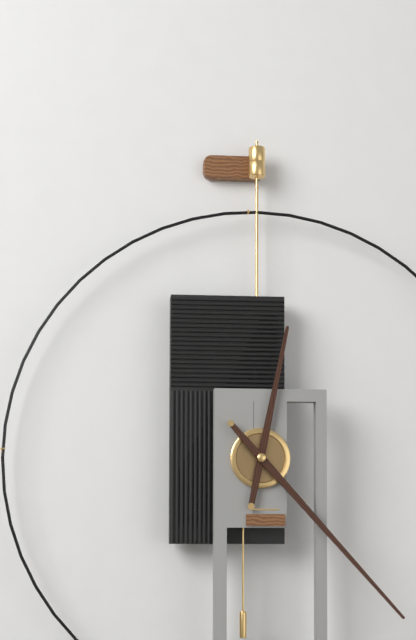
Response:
h=12 m=23
